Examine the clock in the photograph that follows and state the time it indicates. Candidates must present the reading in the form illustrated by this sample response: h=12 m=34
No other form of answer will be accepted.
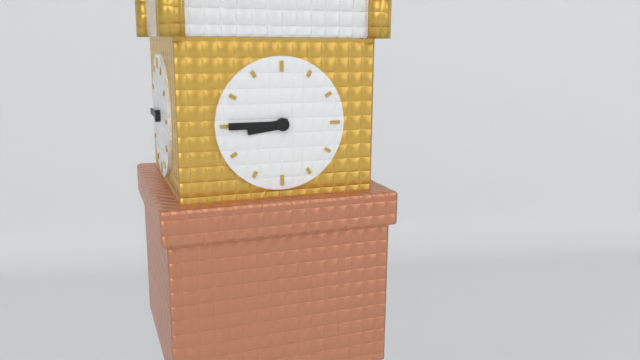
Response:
h=8 m=45
